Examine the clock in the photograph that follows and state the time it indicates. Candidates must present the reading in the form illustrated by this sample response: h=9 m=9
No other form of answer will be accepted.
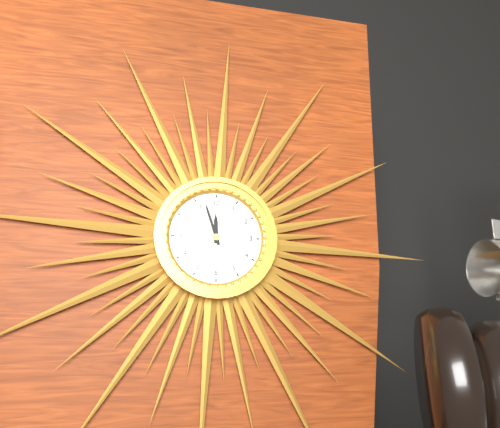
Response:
h=11 m=57
